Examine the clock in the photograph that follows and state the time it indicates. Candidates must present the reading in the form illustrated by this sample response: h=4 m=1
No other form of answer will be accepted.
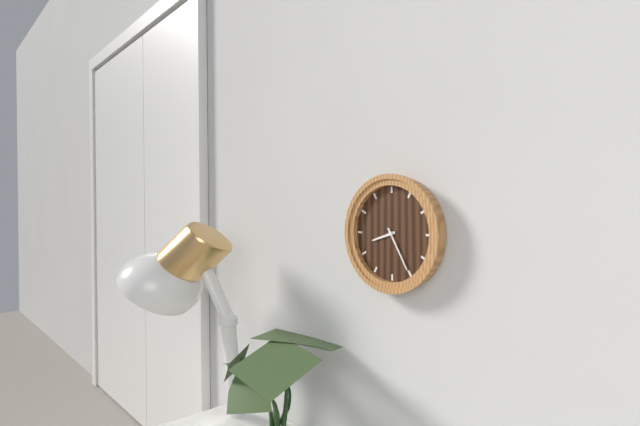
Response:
h=8 m=25
